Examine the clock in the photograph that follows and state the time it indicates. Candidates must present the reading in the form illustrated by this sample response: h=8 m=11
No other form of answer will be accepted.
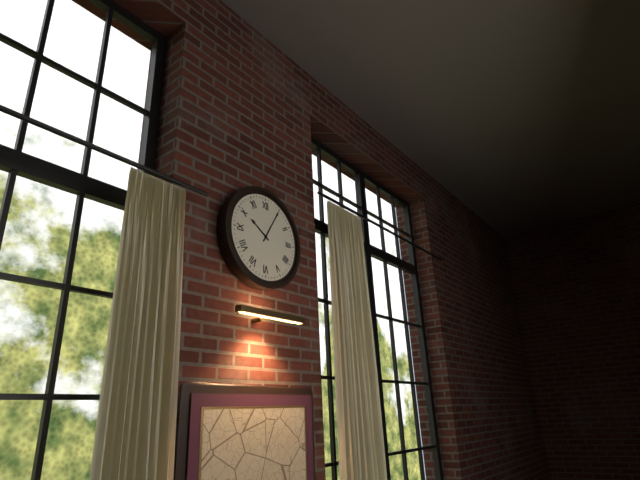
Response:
h=10 m=5
